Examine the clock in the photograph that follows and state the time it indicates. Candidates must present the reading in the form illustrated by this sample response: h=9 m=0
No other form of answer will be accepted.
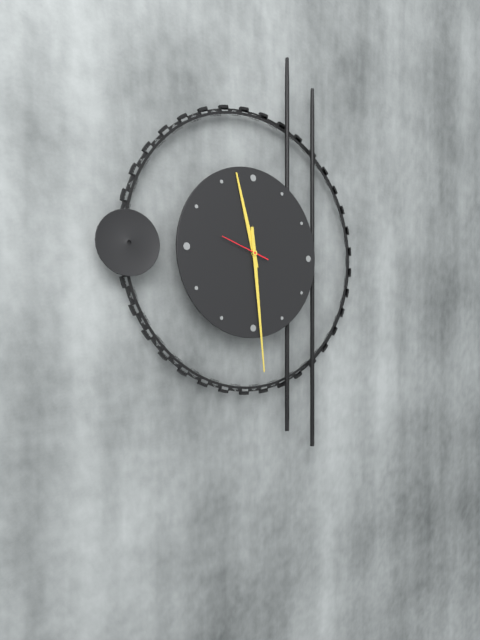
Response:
h=11 m=29
